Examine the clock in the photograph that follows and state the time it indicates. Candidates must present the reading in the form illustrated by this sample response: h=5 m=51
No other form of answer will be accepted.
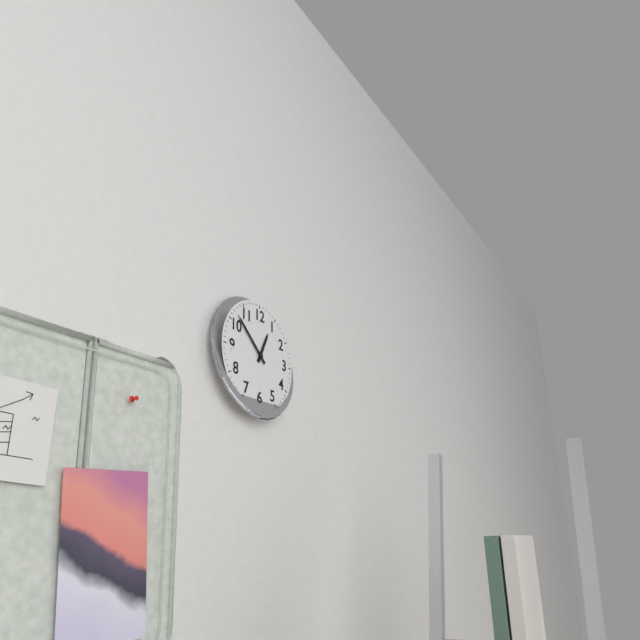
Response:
h=12 m=52
